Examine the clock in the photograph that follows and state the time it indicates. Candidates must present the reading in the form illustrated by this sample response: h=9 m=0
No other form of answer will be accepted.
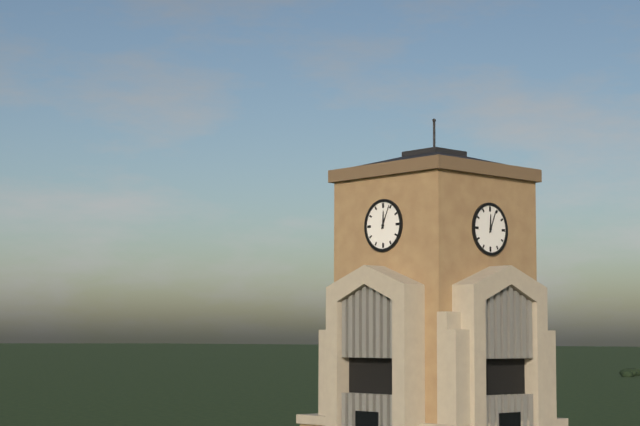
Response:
h=12 m=4
